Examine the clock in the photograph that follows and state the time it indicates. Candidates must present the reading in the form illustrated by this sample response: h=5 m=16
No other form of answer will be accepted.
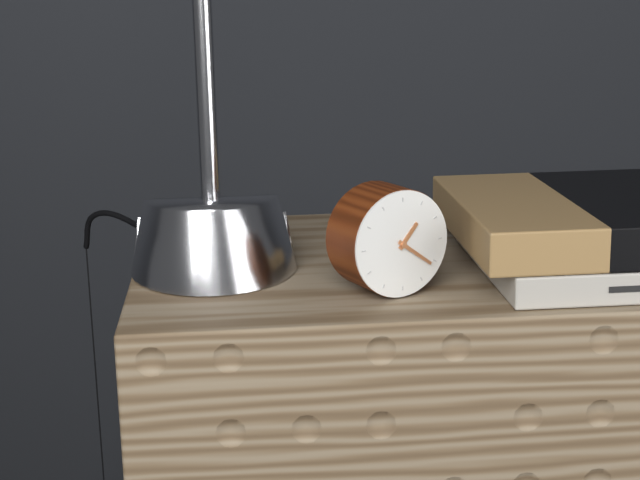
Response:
h=1 m=21
